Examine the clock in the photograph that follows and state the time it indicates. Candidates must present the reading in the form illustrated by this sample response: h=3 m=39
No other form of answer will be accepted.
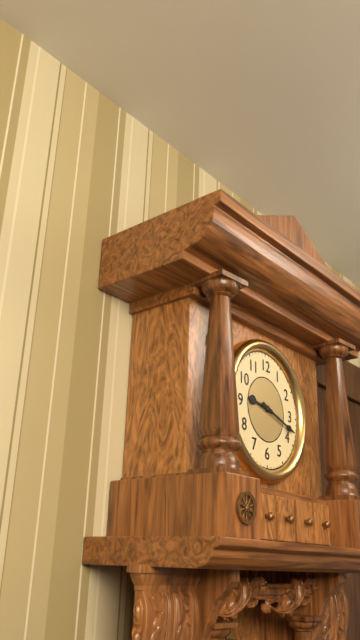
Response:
h=9 m=18
